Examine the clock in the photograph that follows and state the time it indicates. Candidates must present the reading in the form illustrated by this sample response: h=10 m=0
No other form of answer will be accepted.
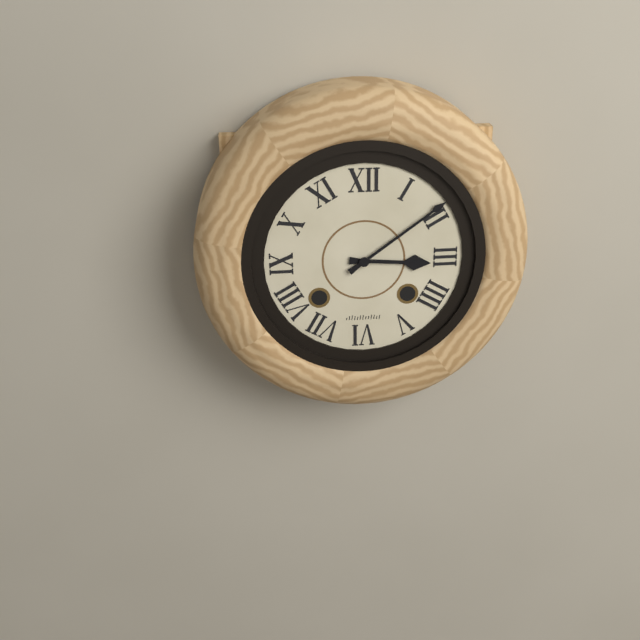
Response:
h=3 m=9
